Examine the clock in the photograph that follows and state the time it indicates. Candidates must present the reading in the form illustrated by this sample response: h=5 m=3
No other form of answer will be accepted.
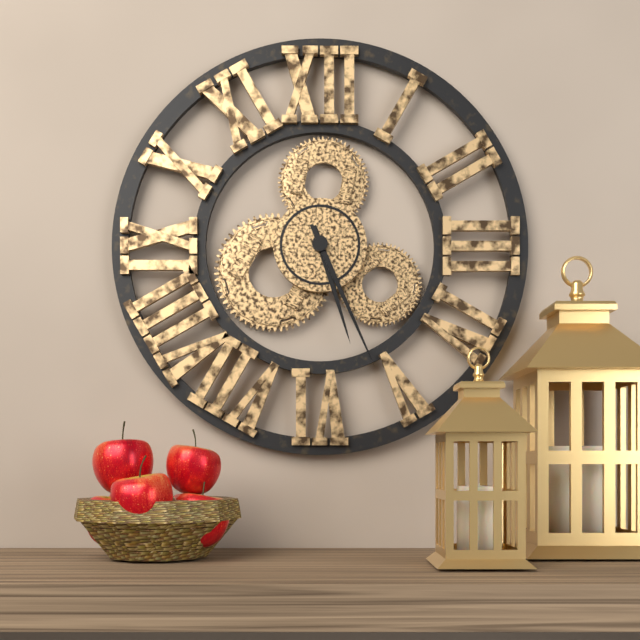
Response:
h=5 m=26
